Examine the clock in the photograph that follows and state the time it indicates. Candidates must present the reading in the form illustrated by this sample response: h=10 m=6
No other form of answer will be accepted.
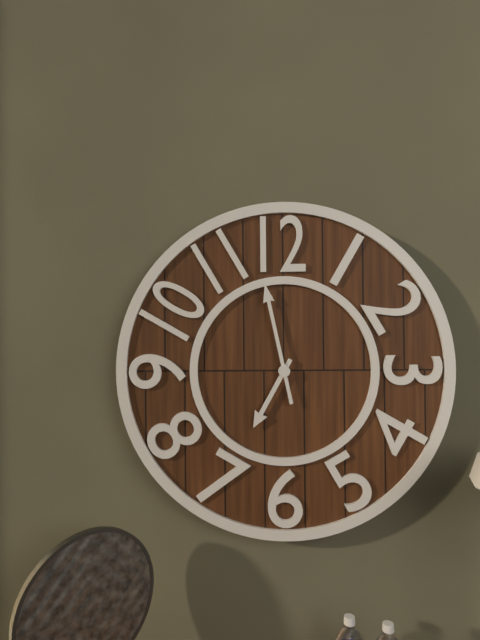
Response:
h=6 m=58
